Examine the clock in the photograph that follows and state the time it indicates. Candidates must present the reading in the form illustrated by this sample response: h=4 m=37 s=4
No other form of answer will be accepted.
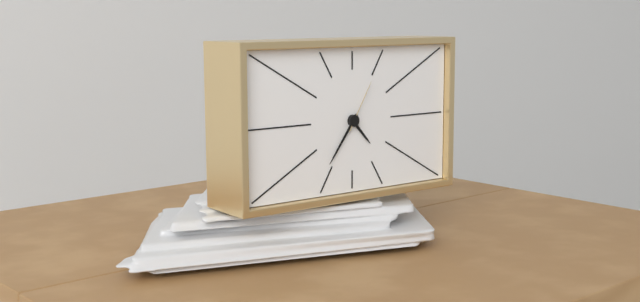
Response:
h=4 m=36 s=5
